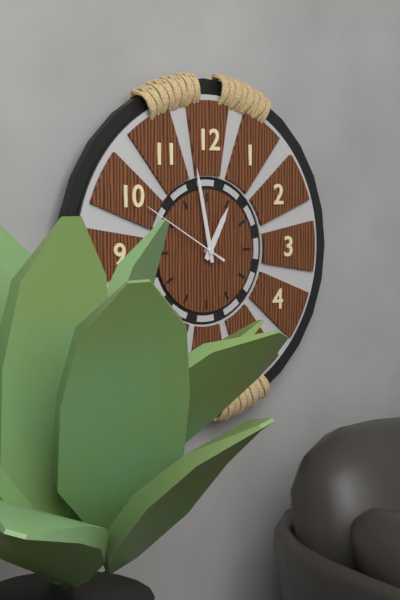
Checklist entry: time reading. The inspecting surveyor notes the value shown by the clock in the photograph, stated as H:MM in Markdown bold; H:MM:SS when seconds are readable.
**12:58:50**
